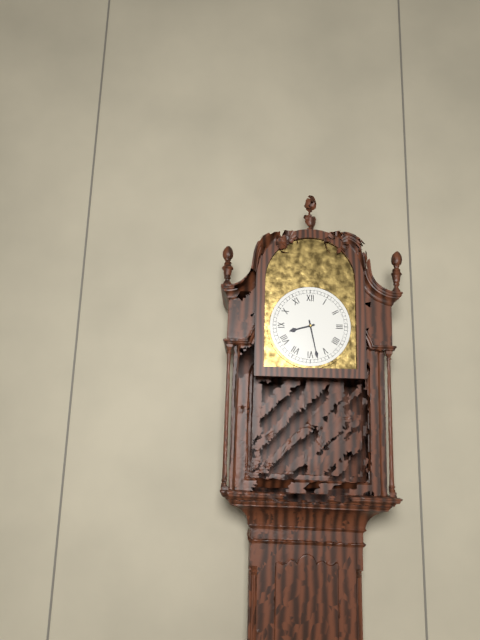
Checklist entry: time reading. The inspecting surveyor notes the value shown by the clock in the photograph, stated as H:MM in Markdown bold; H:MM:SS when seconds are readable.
**8:28**
